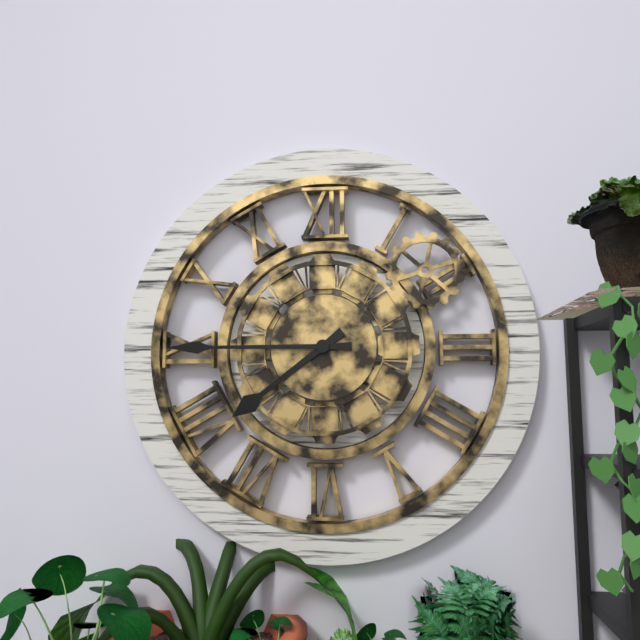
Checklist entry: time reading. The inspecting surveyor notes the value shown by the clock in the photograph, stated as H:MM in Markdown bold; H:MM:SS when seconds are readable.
**7:45**
